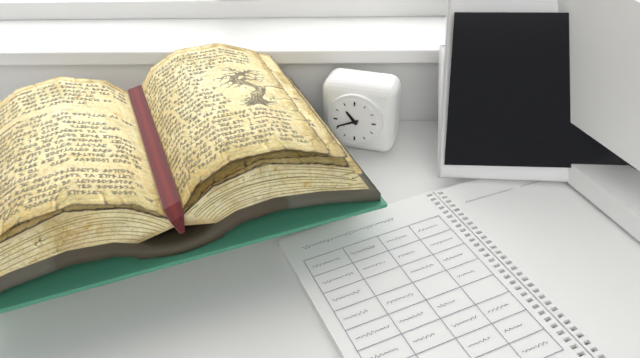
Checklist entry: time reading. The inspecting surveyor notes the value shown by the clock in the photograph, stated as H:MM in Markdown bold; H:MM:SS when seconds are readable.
**10:41**
